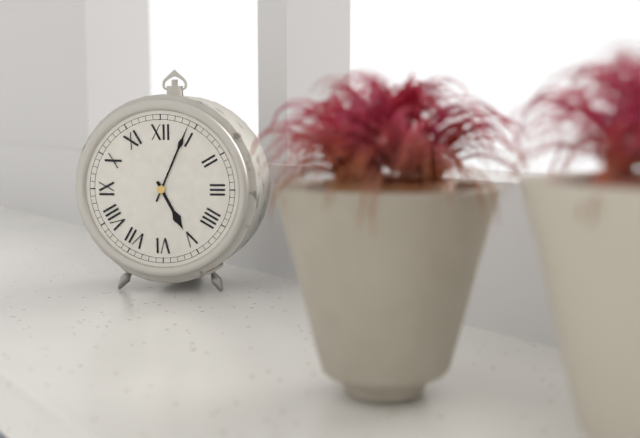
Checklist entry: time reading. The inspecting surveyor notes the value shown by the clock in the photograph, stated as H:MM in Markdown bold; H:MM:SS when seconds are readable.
**5:04**
